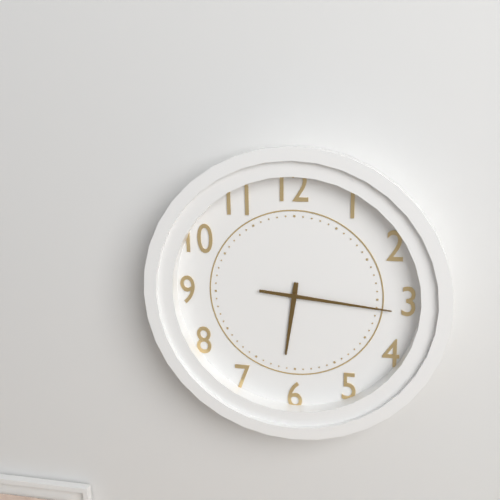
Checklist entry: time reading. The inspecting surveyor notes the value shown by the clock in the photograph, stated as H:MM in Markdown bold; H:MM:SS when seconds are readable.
**6:16**
